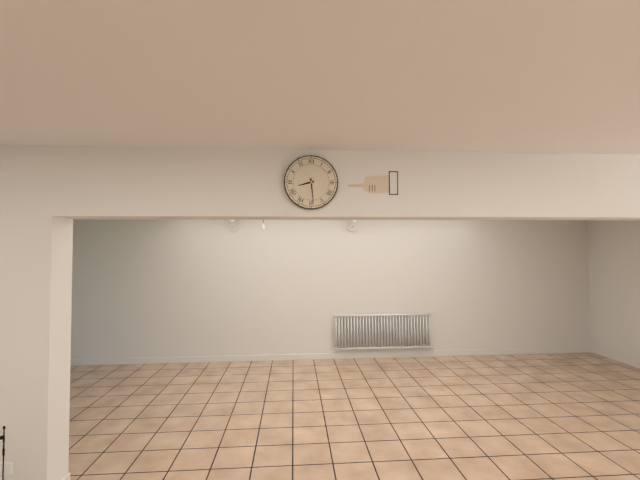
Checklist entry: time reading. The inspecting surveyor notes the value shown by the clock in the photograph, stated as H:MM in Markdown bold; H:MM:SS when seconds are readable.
**8:29**
